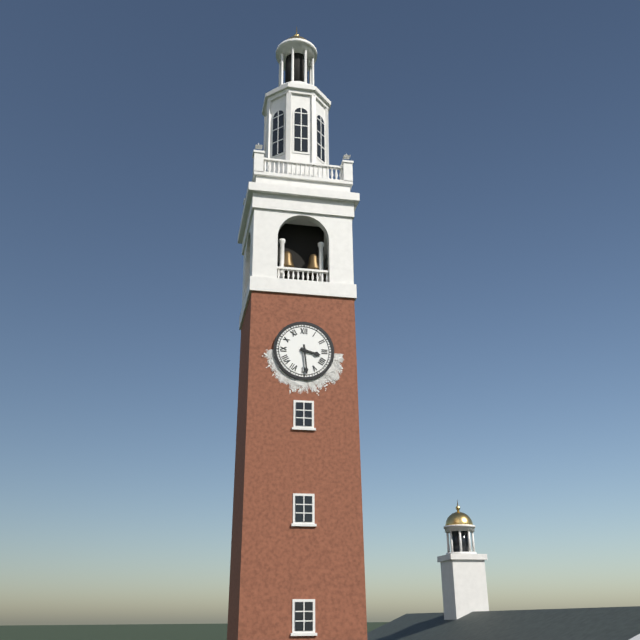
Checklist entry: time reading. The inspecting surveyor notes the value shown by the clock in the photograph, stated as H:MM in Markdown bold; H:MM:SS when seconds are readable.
**3:29**
